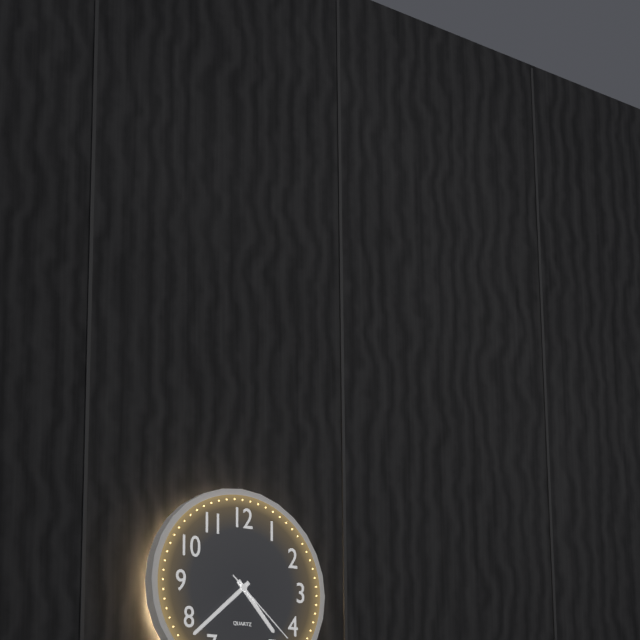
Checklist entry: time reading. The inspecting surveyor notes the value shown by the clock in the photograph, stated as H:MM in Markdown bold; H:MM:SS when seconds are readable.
**4:38:22**
